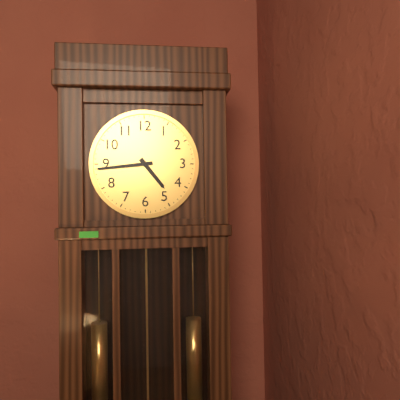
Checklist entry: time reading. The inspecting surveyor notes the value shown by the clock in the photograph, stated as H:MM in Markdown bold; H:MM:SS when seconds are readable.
**4:44**
